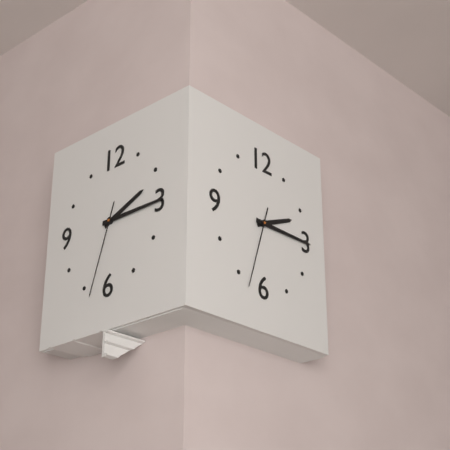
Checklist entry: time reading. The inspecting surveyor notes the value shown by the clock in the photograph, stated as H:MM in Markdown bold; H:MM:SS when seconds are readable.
**2:15:33**
